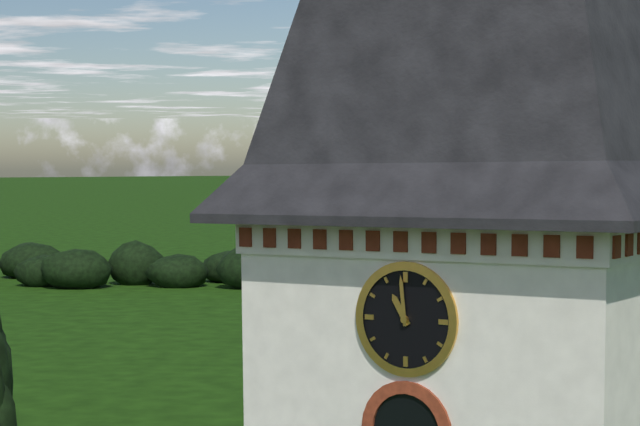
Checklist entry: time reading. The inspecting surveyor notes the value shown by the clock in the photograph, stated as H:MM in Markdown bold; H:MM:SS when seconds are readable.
**10:59**
